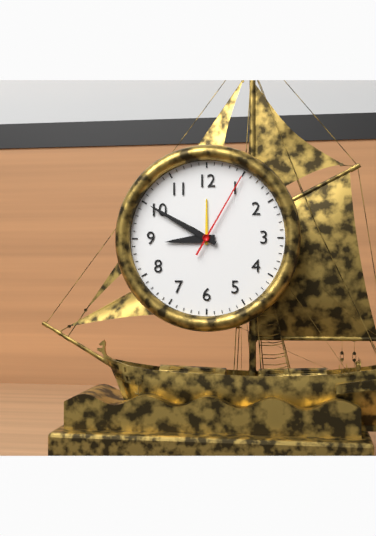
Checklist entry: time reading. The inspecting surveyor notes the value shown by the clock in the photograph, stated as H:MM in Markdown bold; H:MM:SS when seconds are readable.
**8:50:05**
